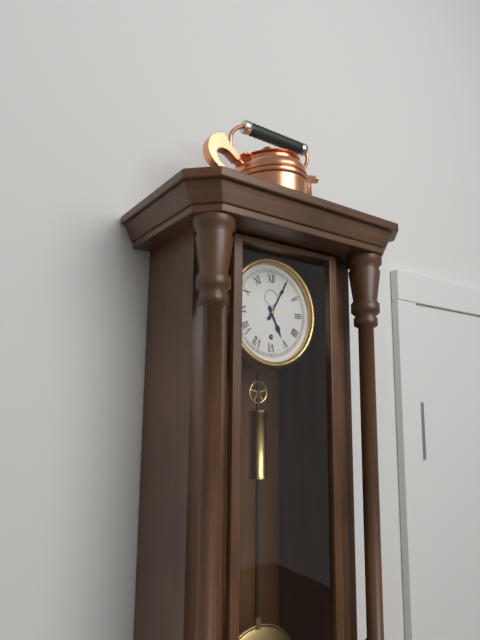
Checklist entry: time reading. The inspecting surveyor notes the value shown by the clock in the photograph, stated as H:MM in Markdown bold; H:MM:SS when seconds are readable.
**5:05**
